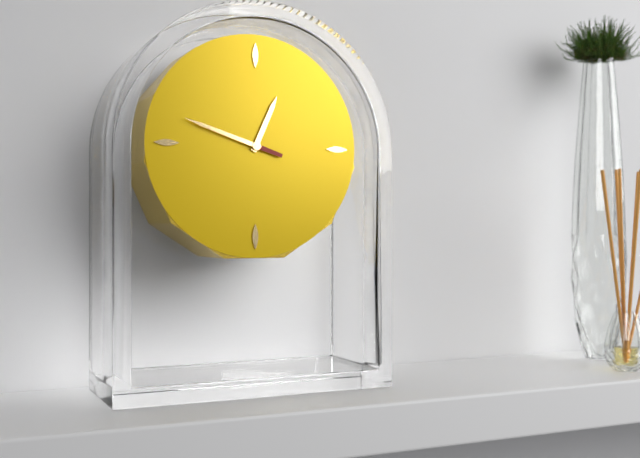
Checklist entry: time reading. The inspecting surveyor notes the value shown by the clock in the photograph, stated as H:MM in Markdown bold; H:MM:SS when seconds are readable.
**12:48**
